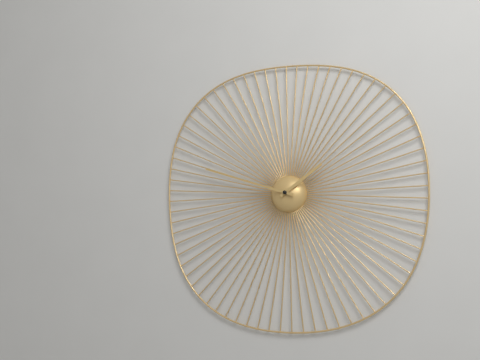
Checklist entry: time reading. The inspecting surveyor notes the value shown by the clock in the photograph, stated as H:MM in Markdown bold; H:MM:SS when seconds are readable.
**1:48**
